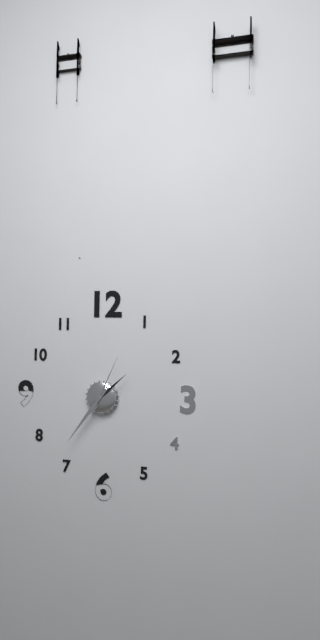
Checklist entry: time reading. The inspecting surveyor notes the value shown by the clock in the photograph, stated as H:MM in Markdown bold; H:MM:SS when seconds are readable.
**1:36:04**
